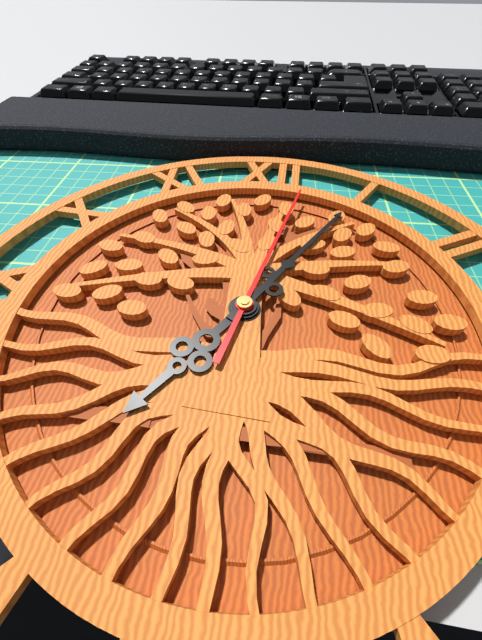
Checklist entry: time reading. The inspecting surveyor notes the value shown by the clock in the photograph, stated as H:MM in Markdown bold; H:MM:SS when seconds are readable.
**7:05:02**
